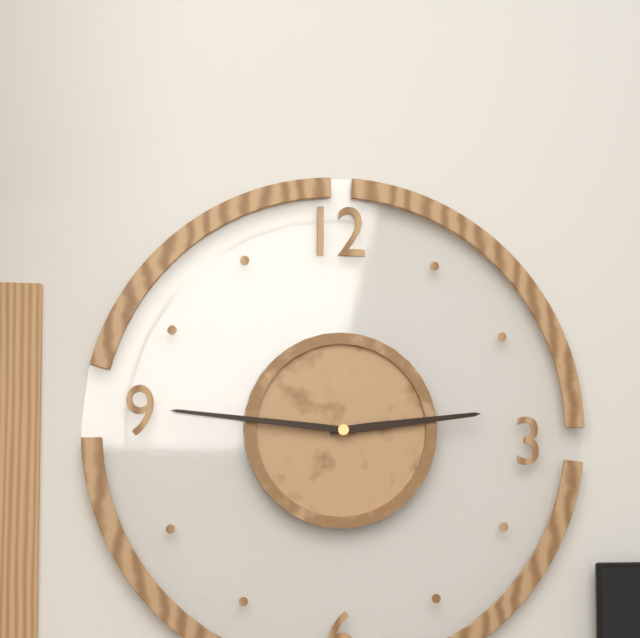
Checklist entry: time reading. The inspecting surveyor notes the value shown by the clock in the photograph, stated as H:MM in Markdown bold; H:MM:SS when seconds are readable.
**2:46**
